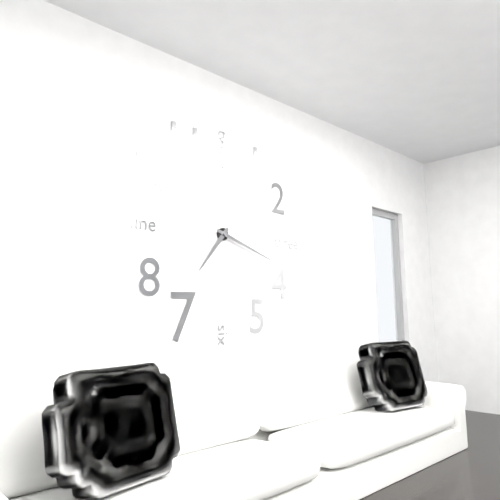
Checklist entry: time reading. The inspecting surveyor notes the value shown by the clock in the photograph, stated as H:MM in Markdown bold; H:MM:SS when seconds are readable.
**7:18**
